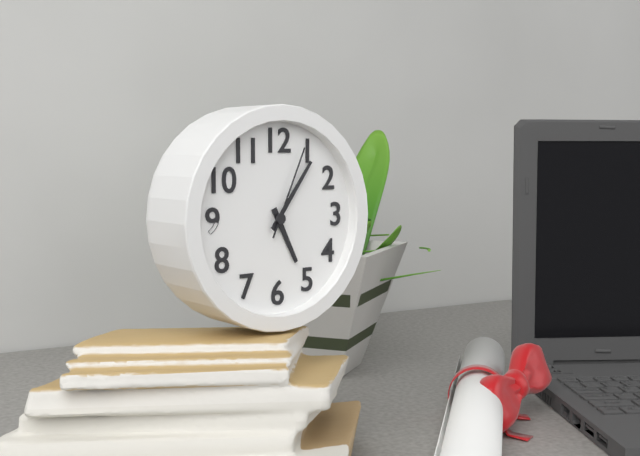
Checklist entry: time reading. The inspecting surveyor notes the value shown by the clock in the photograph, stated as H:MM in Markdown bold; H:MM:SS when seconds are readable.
**5:06:04**
